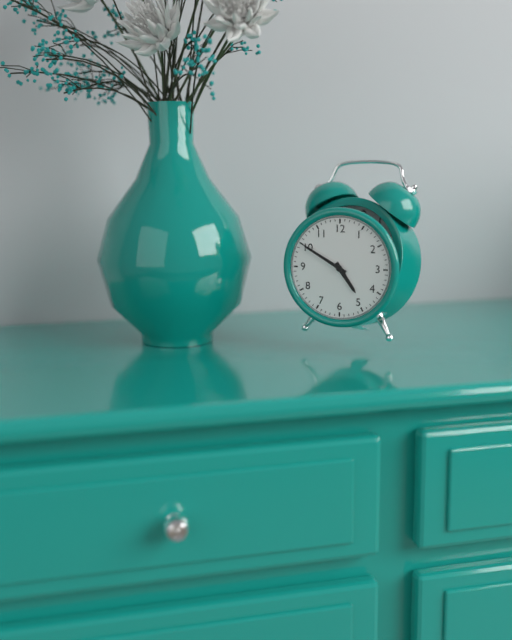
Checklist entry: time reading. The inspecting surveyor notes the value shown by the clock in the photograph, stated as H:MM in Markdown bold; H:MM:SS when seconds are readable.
**4:50**
